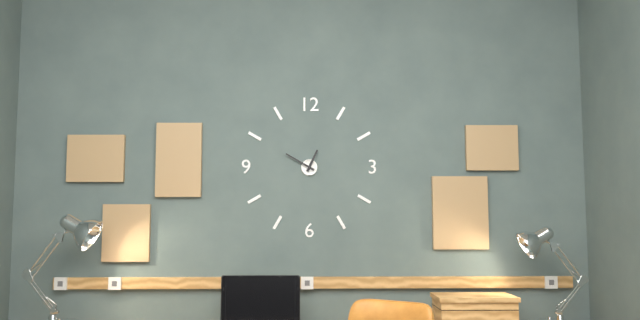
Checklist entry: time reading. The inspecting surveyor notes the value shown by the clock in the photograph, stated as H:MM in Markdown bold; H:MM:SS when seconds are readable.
**12:50**
